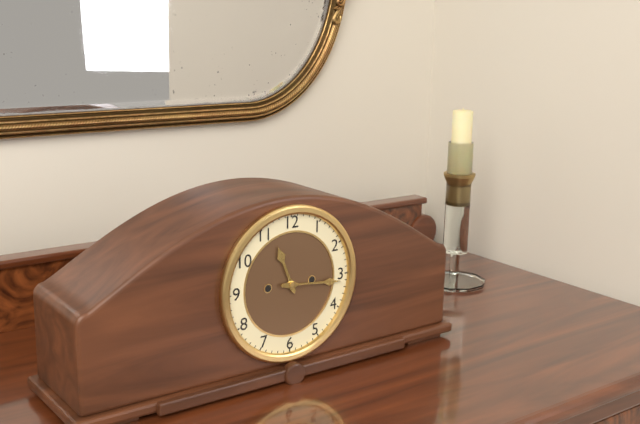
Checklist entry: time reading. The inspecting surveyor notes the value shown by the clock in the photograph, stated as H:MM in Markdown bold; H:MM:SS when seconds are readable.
**11:16**
